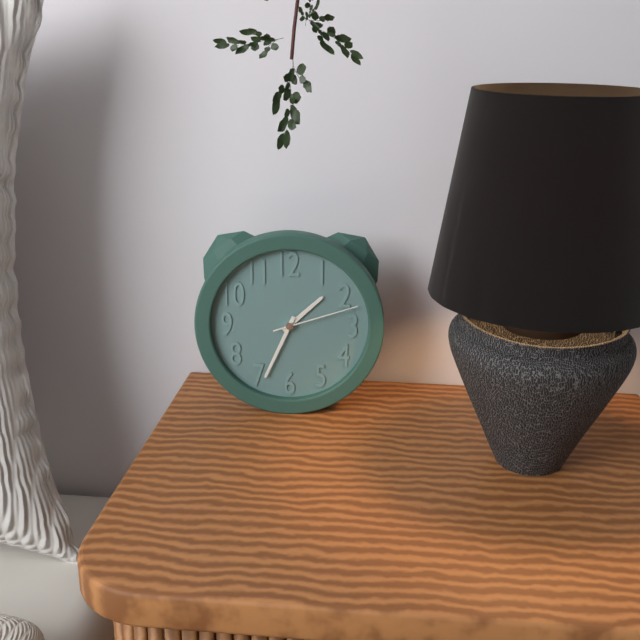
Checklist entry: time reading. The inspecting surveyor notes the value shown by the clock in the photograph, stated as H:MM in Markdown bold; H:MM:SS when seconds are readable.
**1:34:12**
